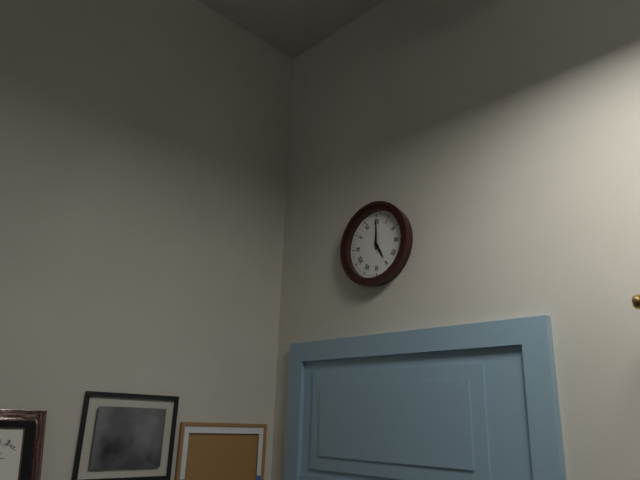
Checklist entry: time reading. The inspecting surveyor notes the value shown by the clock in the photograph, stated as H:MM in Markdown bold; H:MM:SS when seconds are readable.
**5:00**
